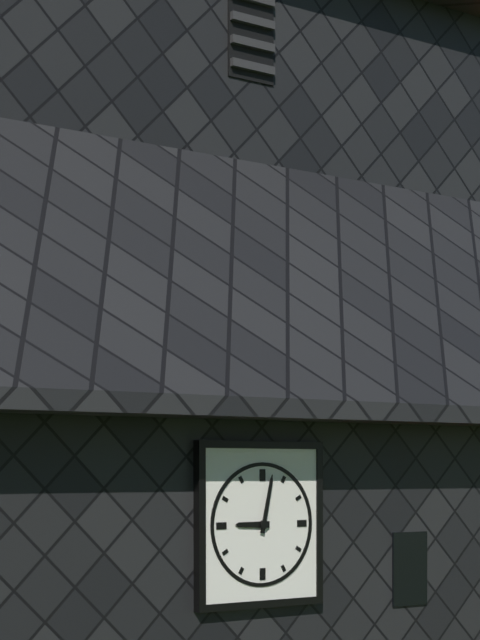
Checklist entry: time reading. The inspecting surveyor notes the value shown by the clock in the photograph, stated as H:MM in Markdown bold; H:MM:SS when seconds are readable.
**9:02**
